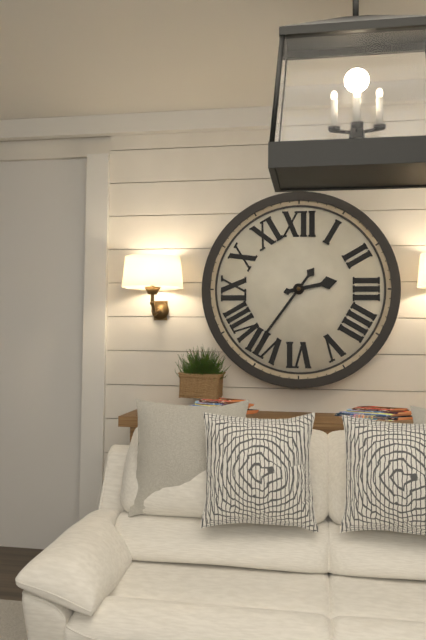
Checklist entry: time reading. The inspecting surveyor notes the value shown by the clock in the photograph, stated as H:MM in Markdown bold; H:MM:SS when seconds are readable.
**2:36**
